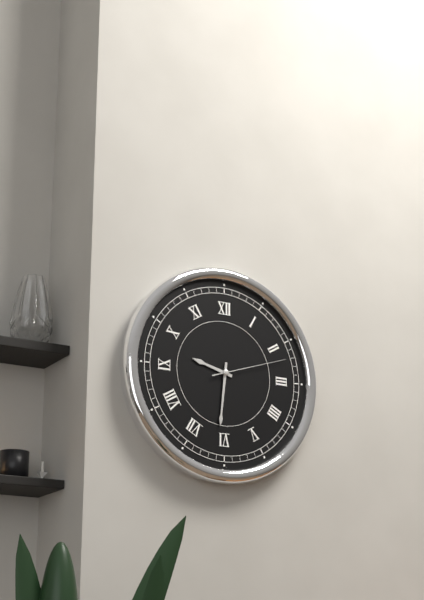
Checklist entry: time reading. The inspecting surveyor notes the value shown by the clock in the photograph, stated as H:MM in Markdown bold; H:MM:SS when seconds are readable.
**9:31:12**
